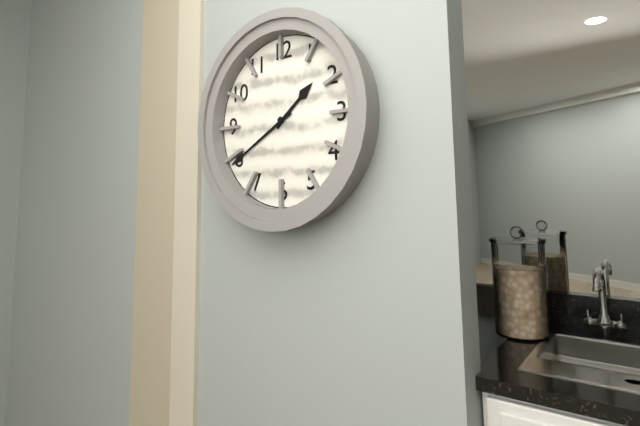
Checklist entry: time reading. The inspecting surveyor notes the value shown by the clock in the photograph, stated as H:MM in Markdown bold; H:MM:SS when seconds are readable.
**1:40**
